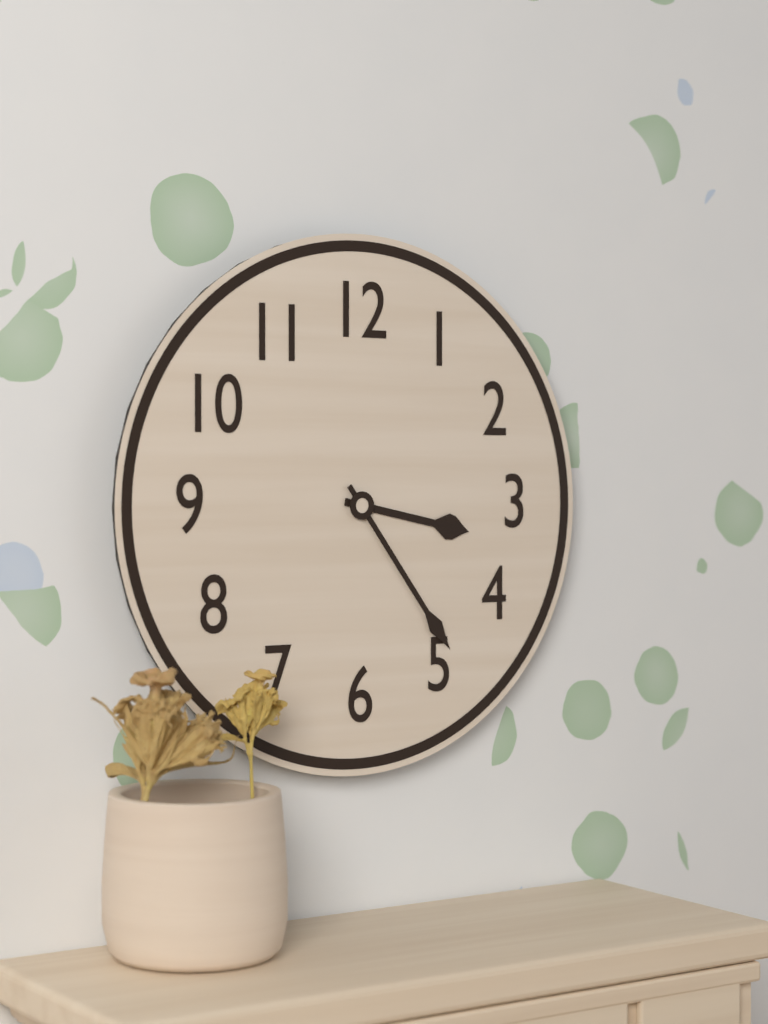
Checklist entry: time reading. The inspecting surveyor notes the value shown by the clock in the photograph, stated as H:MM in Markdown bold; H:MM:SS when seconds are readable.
**3:24**
